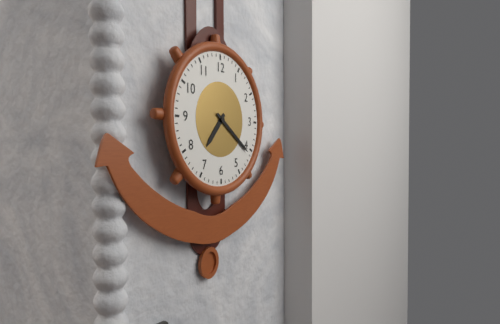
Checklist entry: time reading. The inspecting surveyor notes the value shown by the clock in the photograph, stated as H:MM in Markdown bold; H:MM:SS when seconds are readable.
**7:21**
